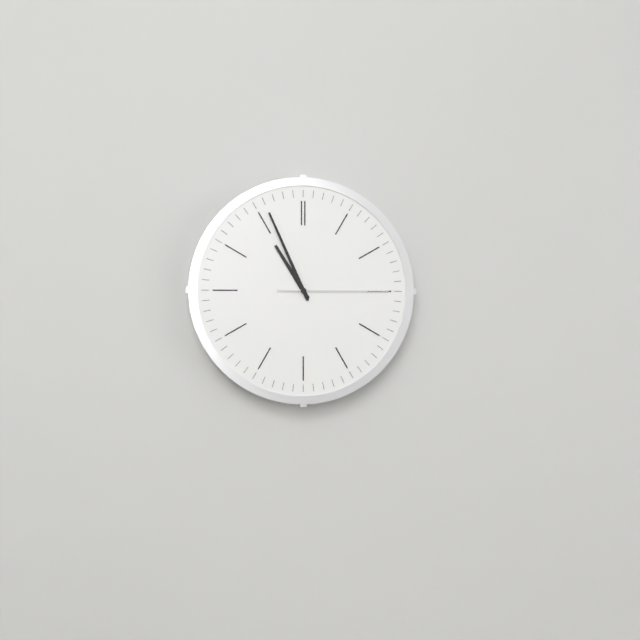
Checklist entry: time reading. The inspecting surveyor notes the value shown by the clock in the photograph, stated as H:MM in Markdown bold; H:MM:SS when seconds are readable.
**10:56:15**
